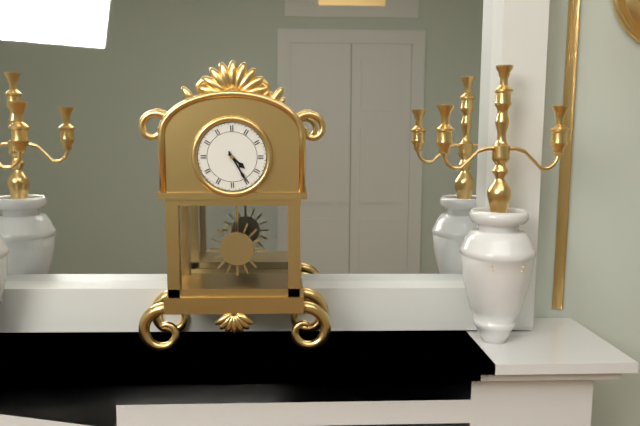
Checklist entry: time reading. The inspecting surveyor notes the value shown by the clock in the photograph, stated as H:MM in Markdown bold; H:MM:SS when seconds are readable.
**4:25**
